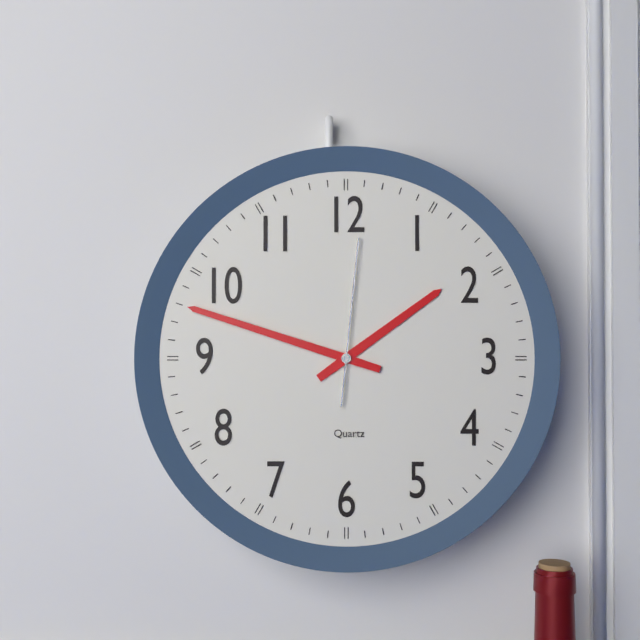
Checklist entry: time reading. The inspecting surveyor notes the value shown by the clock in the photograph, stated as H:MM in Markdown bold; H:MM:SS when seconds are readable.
**1:48:01**
